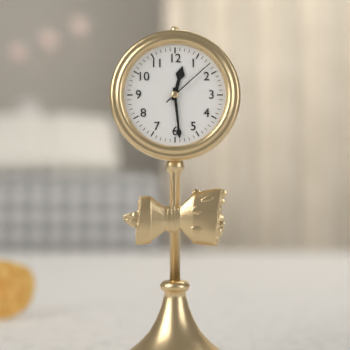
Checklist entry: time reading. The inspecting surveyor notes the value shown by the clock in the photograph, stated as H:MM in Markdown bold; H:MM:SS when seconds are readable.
**12:29:08**
